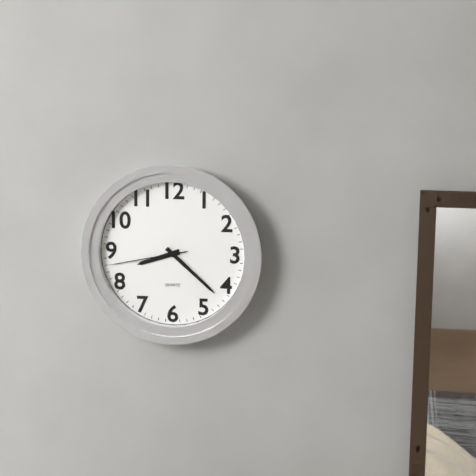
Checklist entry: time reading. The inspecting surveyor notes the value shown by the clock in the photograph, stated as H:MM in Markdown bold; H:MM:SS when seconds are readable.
**8:22:43**
